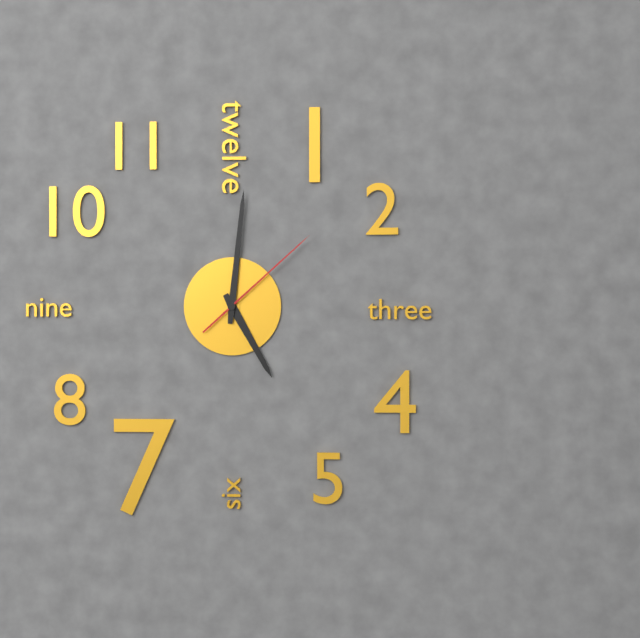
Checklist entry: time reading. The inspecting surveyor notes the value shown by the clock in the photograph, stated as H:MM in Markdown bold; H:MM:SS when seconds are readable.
**5:01:08**
